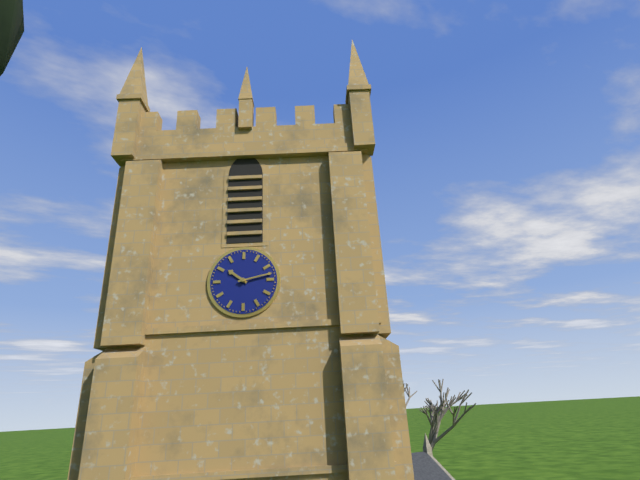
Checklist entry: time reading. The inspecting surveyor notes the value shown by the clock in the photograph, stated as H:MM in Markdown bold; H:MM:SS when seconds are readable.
**10:13**
